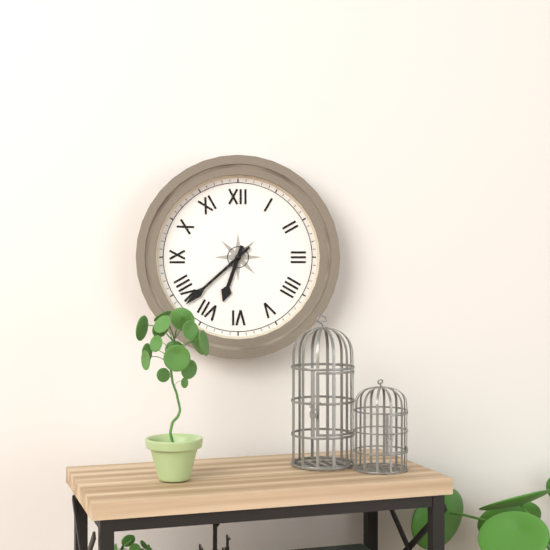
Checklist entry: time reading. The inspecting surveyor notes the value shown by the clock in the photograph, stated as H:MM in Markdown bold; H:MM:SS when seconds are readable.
**6:38**
